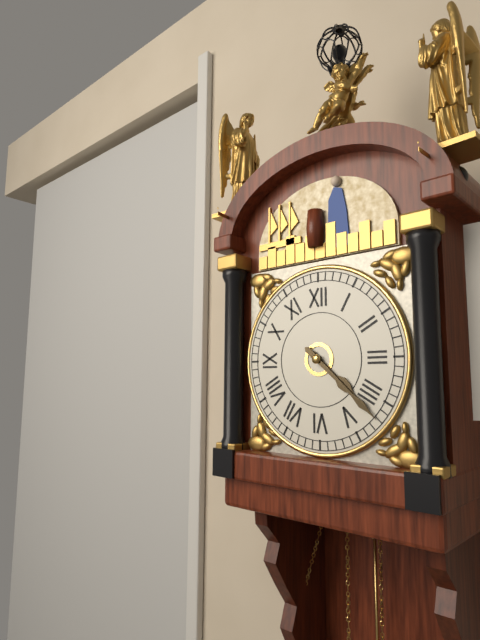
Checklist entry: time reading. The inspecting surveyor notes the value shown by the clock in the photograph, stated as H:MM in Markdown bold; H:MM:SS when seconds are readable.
**4:22**
